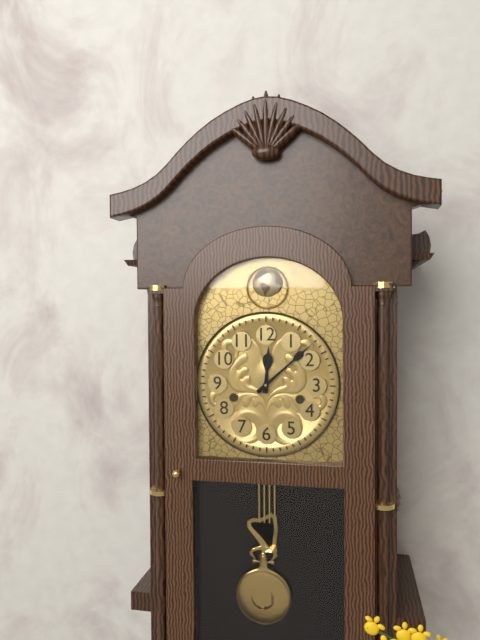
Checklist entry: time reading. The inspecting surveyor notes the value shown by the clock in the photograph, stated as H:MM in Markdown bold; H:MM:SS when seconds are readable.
**12:08**
